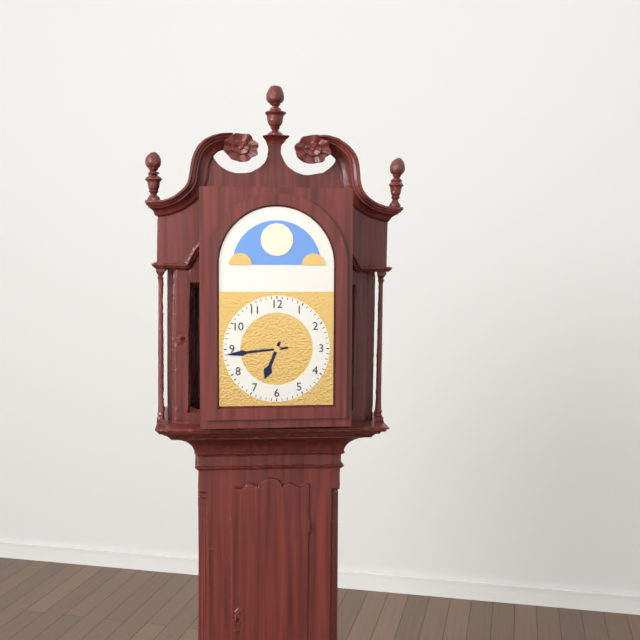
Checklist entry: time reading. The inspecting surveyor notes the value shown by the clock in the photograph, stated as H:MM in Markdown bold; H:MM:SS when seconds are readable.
**6:44**
